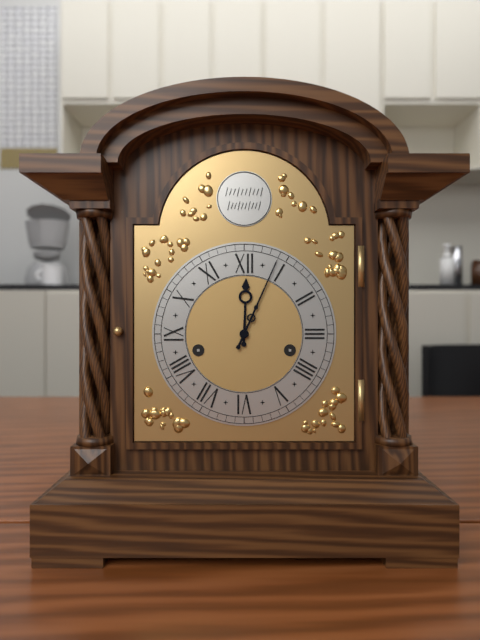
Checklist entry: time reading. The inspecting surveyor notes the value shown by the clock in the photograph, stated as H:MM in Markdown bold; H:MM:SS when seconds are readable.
**12:04**
